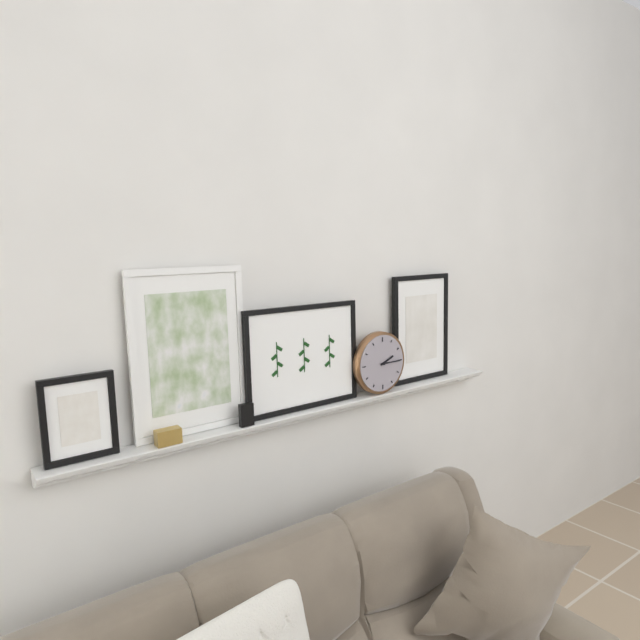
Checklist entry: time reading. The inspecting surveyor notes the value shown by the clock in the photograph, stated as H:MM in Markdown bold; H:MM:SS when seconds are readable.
**2:15**
